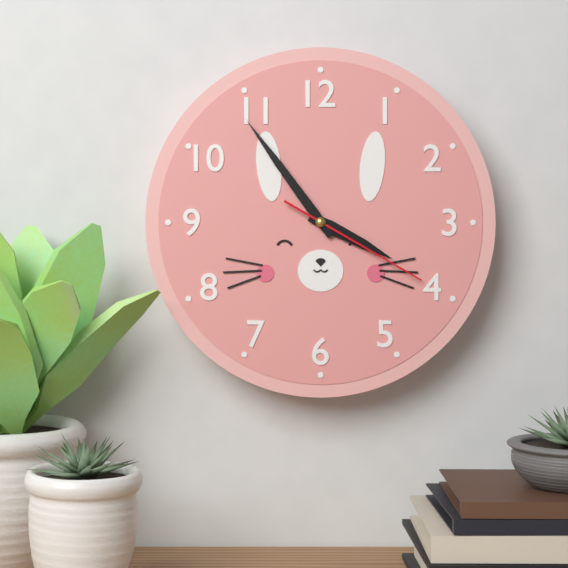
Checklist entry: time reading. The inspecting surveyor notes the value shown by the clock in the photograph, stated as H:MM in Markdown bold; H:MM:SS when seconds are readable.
**3:54:20**
